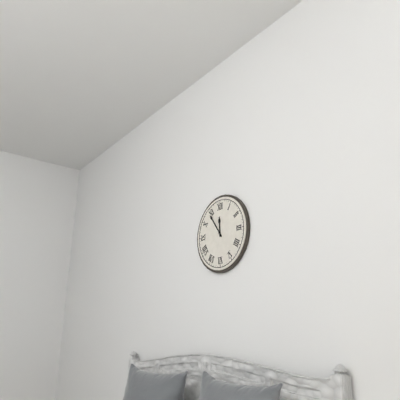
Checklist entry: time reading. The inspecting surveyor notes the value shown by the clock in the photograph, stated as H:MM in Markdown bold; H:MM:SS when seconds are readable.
**11:54**
